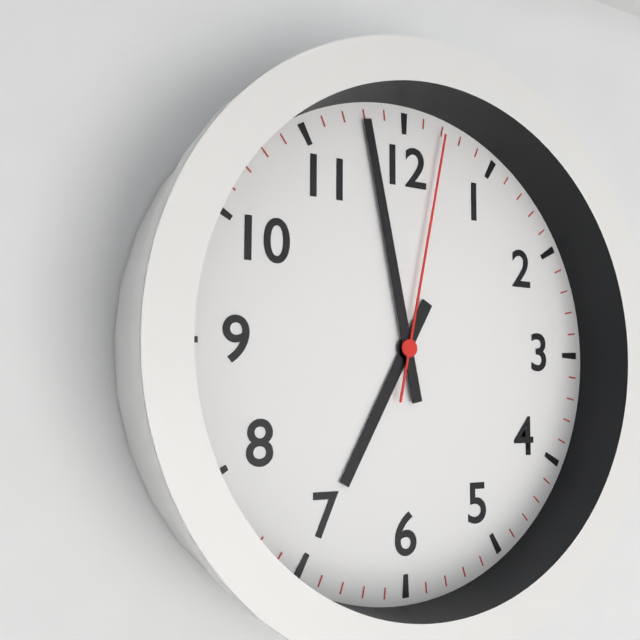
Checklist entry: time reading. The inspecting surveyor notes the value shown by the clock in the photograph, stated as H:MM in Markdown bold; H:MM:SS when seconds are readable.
**6:58:02**
